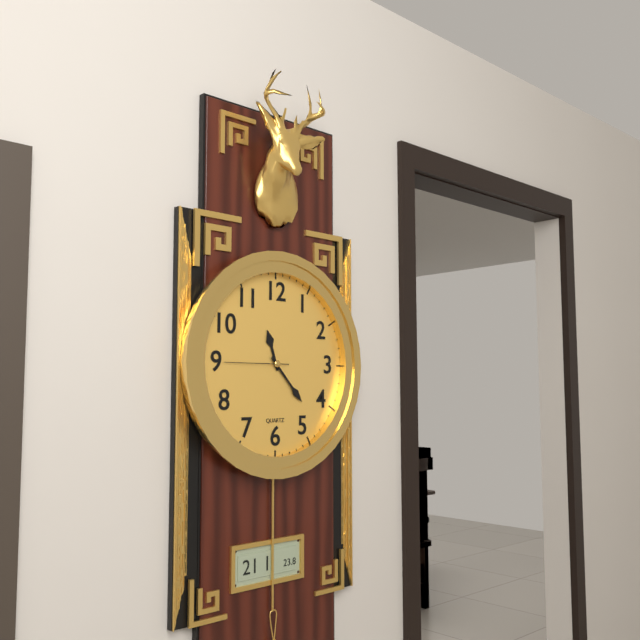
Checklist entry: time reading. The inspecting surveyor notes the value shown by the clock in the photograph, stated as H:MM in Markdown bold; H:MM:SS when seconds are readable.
**11:23:45**
